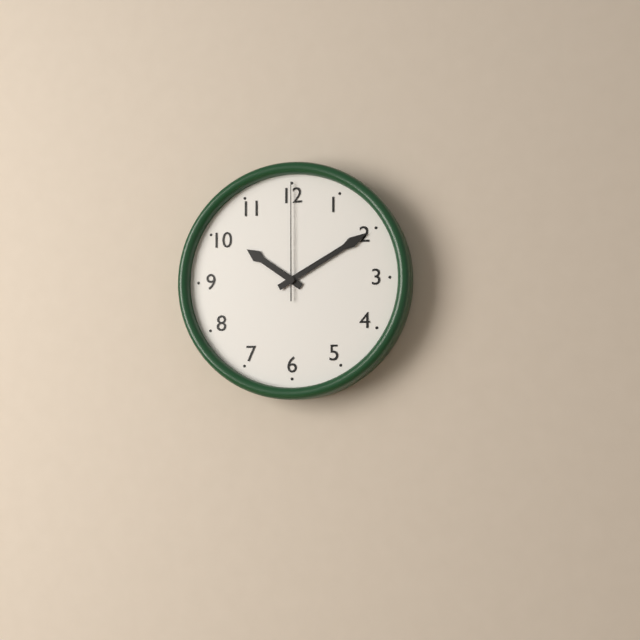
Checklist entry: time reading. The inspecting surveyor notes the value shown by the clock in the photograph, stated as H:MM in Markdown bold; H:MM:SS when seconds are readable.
**10:10:00**
